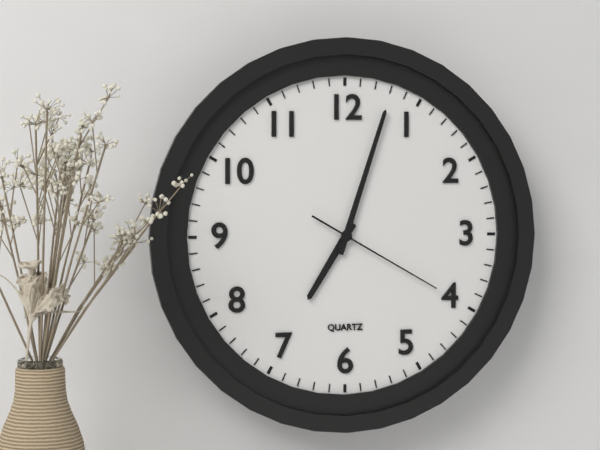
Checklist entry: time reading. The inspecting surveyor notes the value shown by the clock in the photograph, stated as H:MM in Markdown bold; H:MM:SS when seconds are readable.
**7:03:20**
